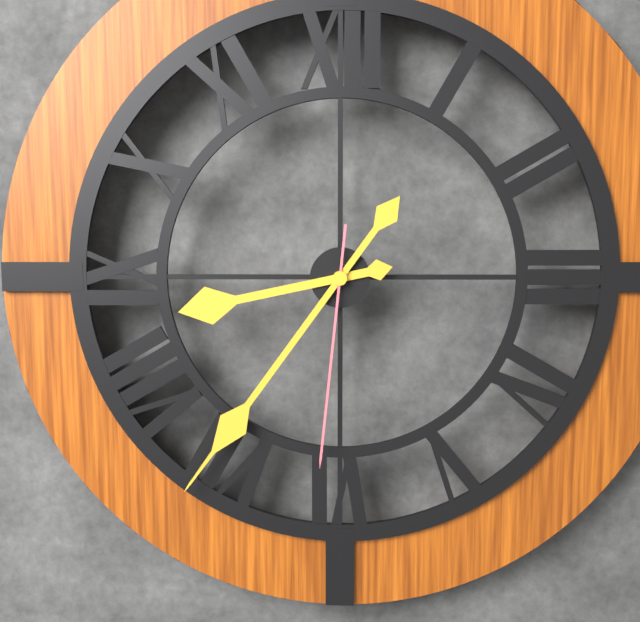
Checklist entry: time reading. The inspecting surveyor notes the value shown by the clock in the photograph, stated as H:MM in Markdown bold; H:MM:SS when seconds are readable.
**8:36:31**
